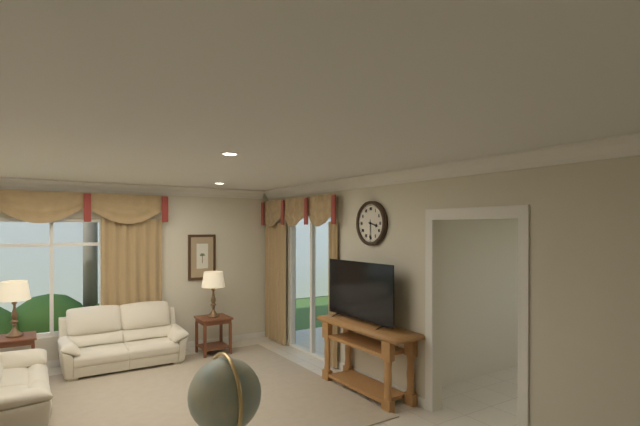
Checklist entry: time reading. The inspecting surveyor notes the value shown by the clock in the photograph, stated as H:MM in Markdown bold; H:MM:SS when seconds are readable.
**3:30**
